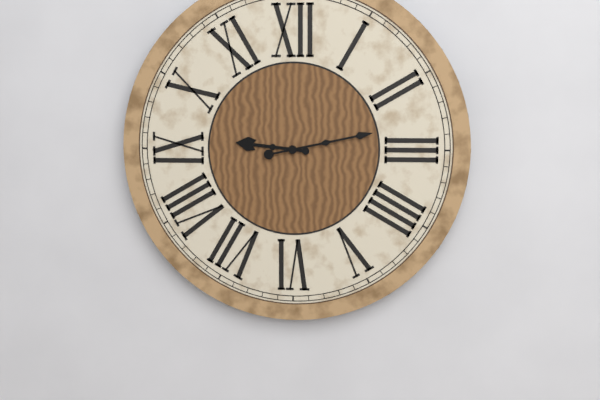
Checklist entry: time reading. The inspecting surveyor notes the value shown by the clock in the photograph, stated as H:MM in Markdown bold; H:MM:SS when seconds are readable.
**9:13**
